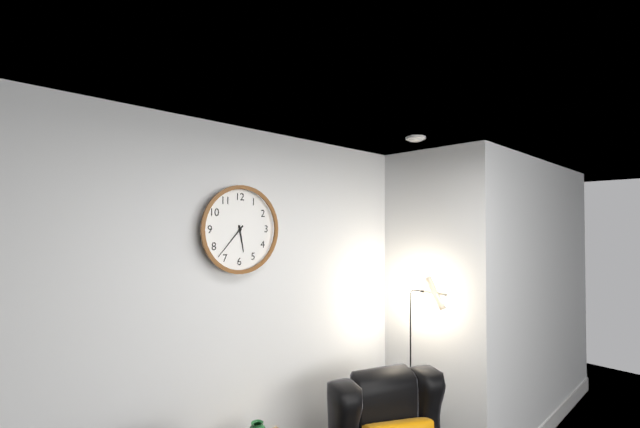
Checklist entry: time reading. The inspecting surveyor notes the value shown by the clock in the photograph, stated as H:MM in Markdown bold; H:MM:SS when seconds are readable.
**5:37**
